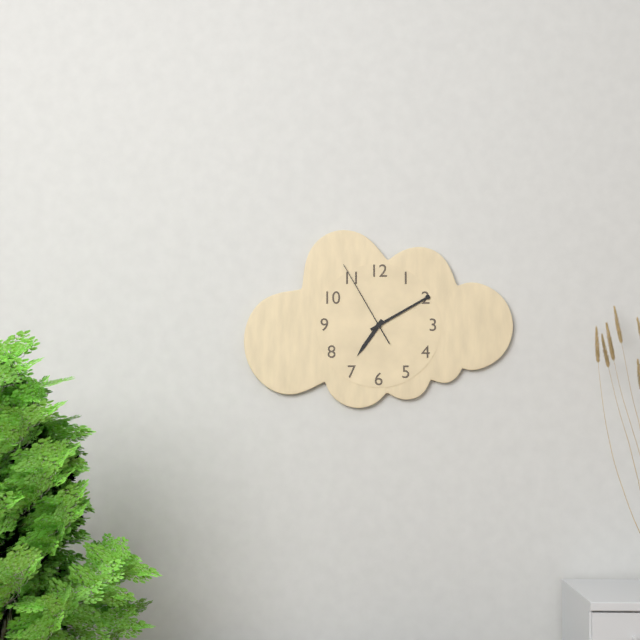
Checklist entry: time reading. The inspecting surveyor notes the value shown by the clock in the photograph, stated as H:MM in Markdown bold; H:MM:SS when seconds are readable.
**7:10:55**
